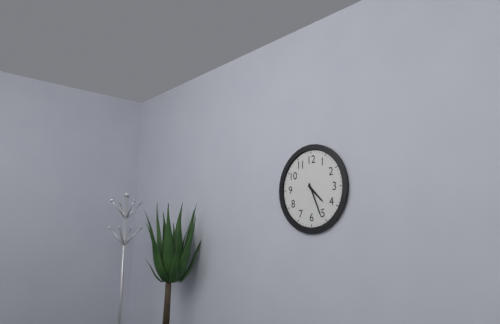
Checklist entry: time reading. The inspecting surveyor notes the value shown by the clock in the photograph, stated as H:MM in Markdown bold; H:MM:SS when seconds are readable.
**4:26**
